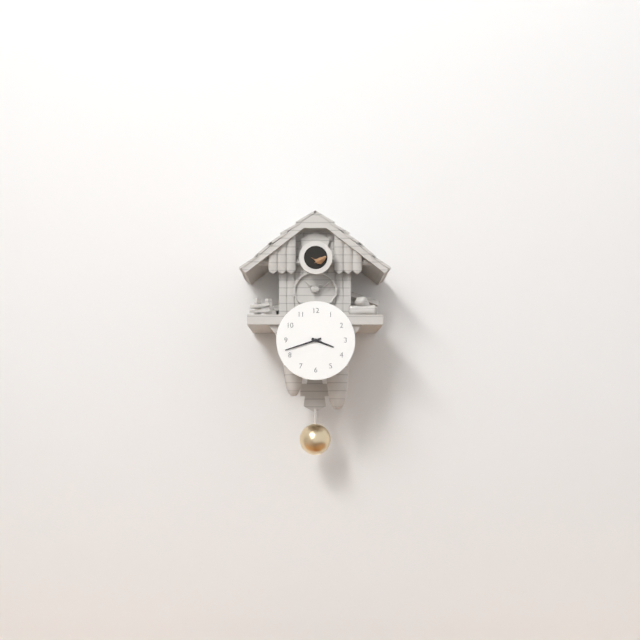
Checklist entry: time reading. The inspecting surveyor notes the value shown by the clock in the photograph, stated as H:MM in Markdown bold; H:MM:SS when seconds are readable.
**3:42**
